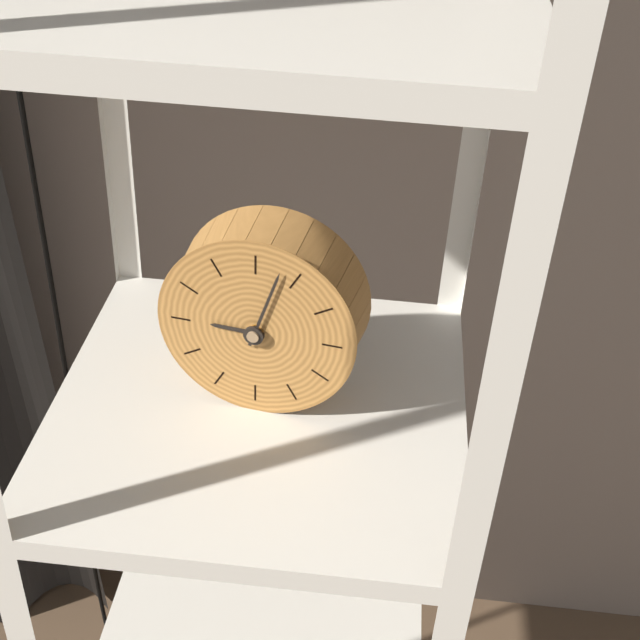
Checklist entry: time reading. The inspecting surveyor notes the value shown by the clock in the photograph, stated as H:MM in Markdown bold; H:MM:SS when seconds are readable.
**9:03**
